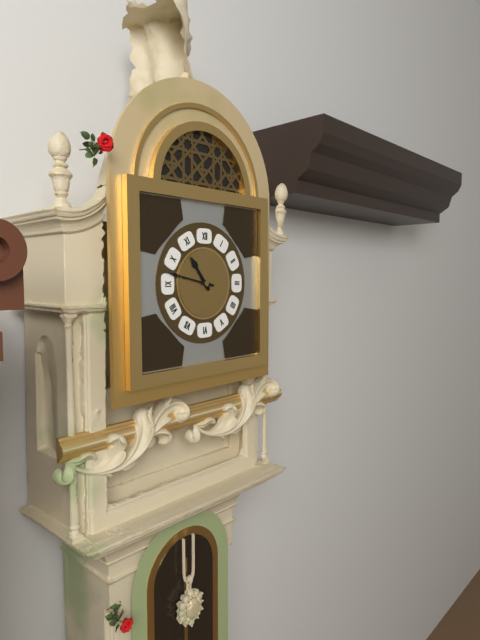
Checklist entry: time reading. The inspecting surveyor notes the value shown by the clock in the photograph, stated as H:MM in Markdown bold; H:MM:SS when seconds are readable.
**10:47**
